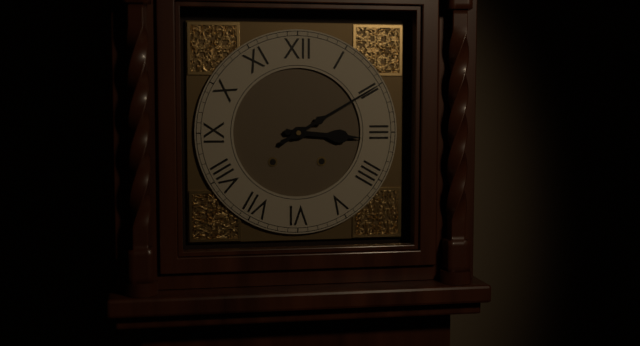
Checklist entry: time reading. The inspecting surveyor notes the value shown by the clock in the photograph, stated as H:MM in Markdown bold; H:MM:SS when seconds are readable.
**3:10**
